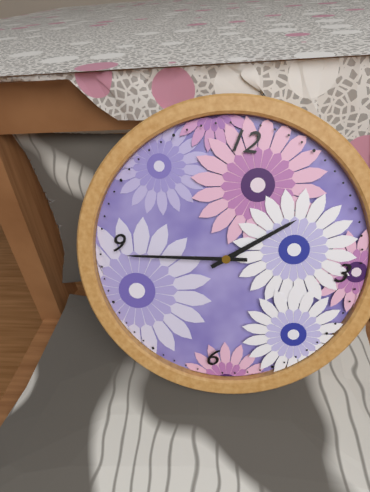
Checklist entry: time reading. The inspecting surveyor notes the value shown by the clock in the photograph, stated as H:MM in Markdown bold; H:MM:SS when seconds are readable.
**1:44**
